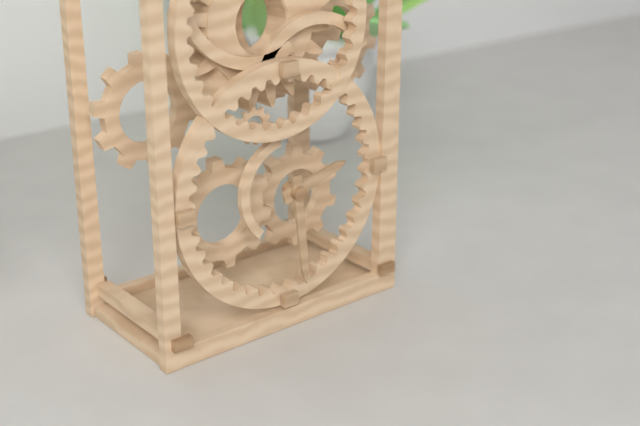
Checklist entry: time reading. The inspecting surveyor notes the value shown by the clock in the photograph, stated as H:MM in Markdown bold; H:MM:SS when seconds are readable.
**2:29**
